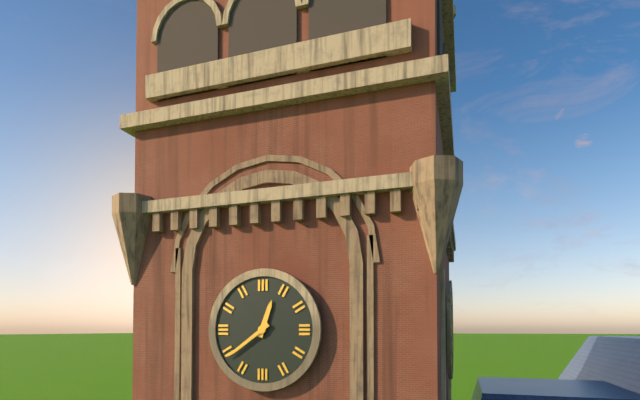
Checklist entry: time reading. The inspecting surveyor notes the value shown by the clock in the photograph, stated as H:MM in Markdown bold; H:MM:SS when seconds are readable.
**12:39**
